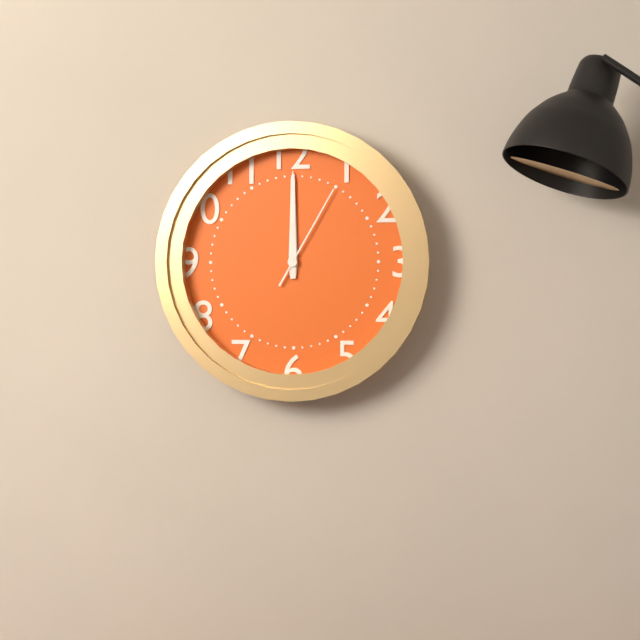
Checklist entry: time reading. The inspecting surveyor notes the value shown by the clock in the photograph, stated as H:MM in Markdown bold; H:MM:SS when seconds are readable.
**12:00:05**
